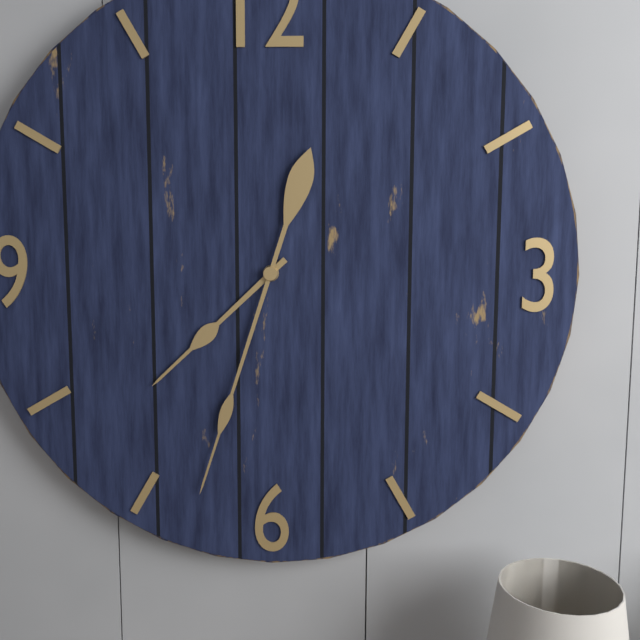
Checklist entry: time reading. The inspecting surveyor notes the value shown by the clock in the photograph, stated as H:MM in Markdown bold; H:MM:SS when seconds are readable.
**7:33**
